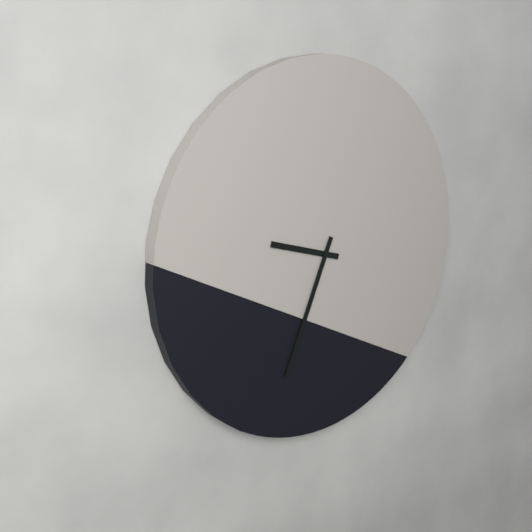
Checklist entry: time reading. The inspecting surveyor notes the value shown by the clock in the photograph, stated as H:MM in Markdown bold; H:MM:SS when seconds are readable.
**9:34**
